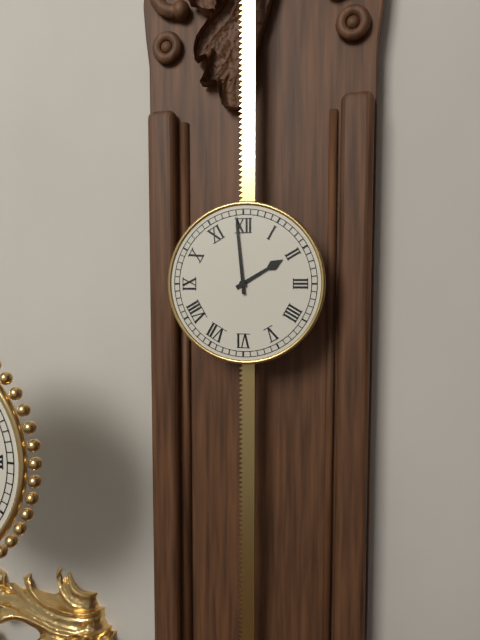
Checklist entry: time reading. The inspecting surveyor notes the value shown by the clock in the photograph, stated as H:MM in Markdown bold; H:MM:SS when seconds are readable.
**1:59**
